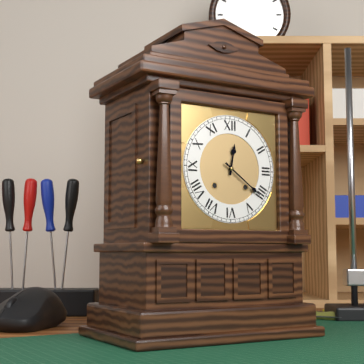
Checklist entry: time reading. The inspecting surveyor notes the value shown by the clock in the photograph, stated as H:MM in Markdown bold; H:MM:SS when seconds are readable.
**12:21**
